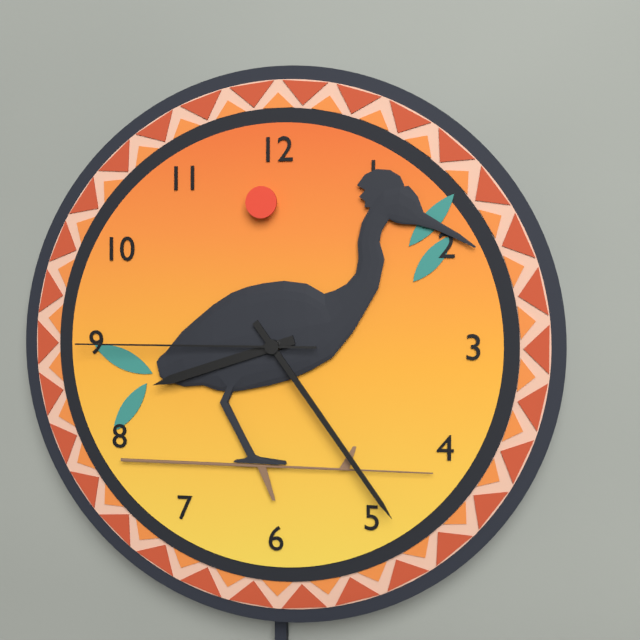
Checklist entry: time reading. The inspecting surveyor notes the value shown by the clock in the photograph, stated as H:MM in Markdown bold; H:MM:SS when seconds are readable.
**8:24:45**
